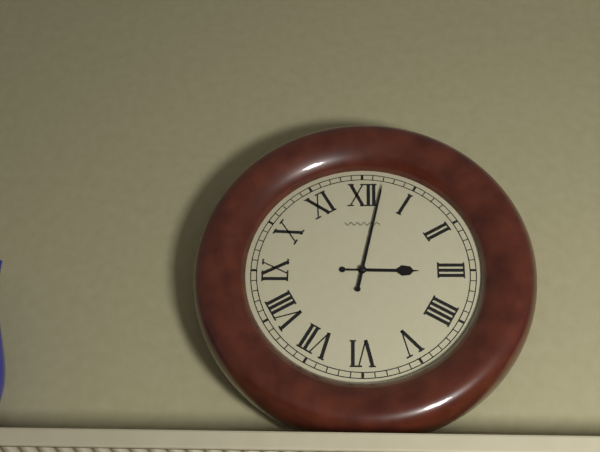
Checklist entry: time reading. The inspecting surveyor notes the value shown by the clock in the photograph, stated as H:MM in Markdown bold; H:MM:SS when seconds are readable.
**3:02**
